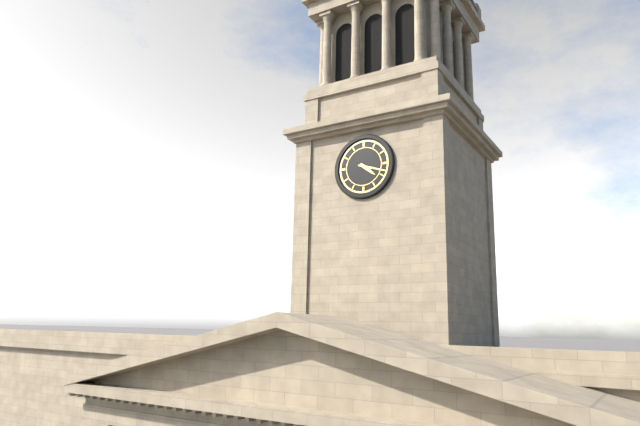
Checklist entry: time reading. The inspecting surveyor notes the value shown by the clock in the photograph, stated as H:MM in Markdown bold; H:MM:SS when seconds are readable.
**4:18**
